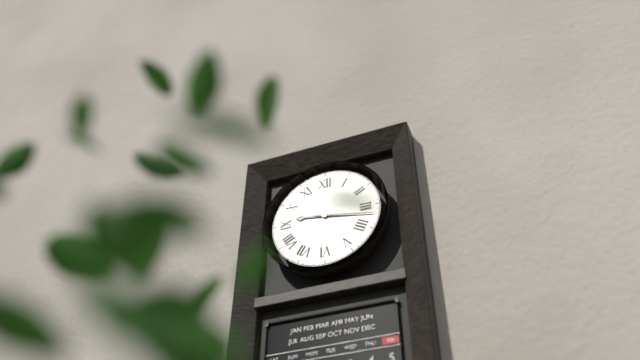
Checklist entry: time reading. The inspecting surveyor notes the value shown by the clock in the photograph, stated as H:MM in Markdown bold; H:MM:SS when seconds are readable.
**9:17**
